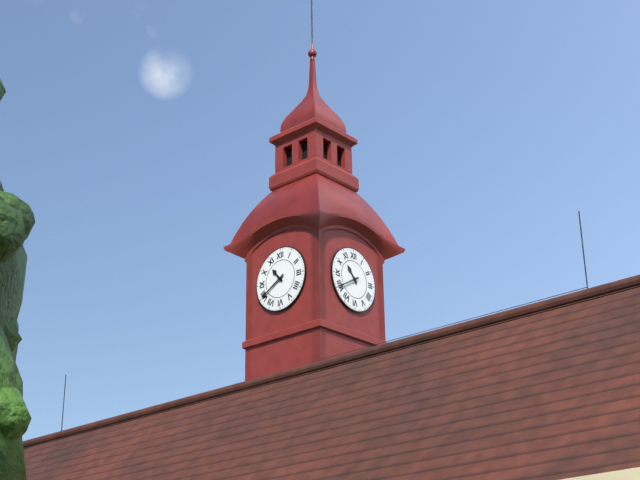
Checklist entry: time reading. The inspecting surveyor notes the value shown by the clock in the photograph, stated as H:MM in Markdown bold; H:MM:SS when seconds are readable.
**10:40**
